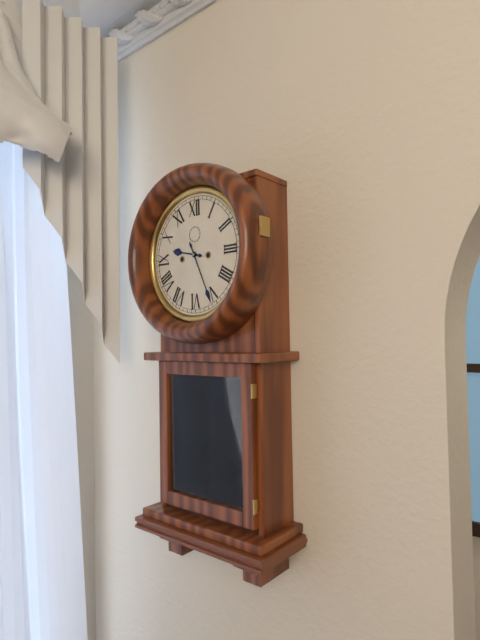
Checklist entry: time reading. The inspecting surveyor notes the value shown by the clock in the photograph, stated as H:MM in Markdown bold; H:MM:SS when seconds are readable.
**9:26**
